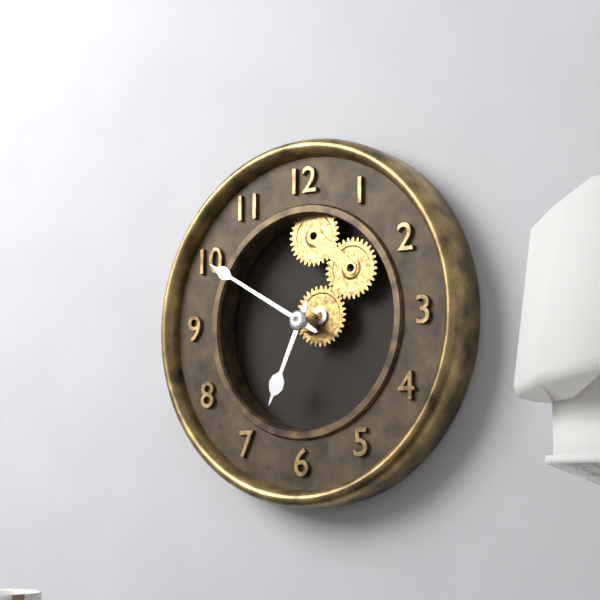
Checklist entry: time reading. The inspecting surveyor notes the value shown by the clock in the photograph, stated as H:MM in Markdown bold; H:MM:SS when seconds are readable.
**6:50**
